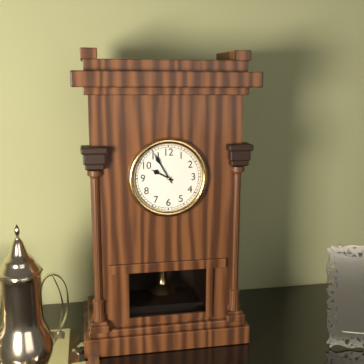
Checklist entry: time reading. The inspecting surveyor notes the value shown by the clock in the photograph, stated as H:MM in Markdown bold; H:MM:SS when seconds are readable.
**9:55**
